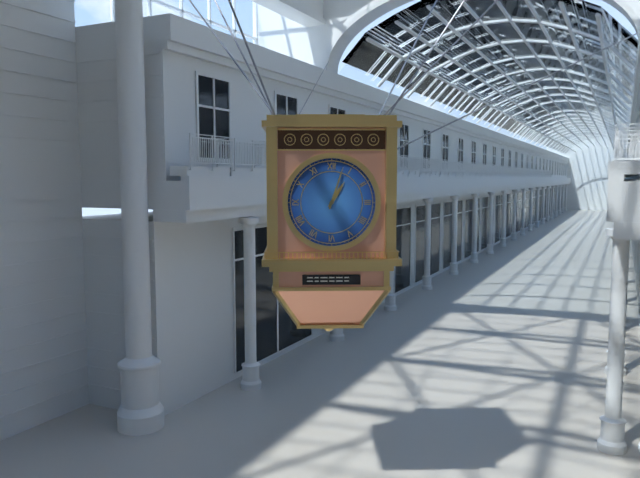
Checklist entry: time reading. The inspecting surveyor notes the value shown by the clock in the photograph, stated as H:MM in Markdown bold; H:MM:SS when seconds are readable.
**1:03**
